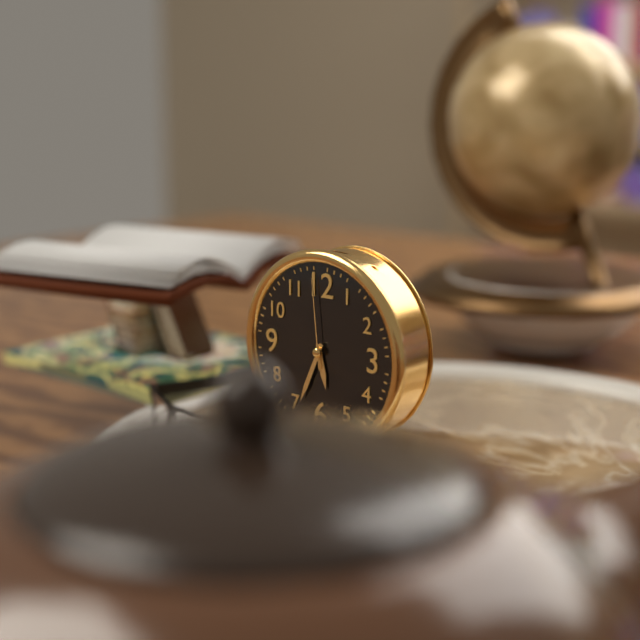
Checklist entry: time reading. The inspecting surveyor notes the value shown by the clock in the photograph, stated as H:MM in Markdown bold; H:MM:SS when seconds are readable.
**5:34:59**
